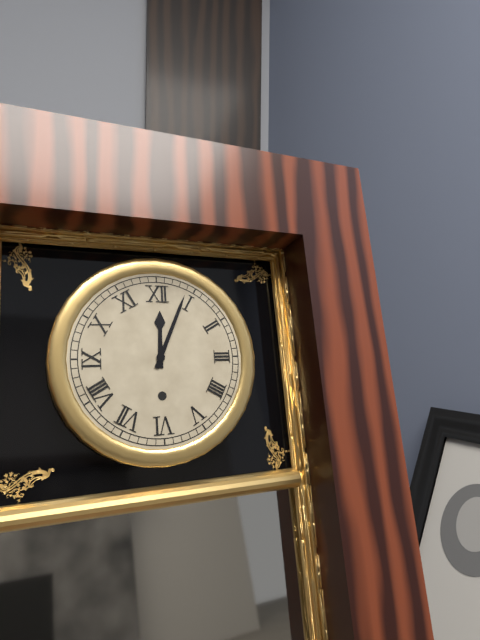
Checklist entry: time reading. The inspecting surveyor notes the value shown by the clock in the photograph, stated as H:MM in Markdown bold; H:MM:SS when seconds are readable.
**12:04**
